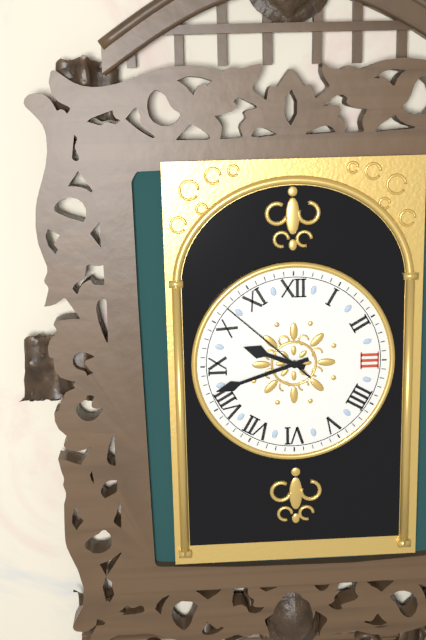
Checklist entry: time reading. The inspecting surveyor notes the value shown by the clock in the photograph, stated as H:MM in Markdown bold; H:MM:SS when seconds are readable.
**9:42:52**
